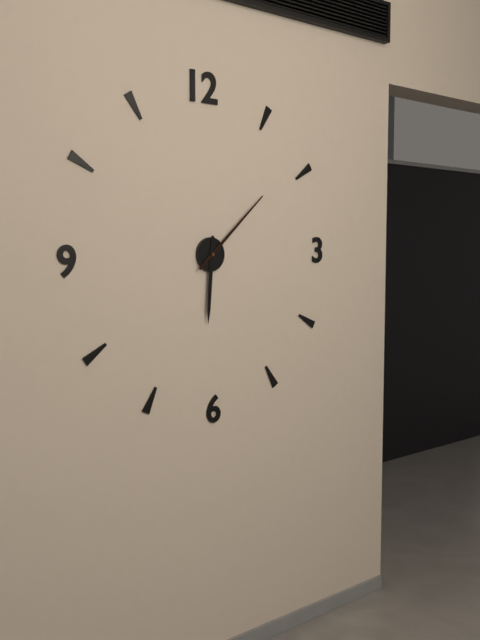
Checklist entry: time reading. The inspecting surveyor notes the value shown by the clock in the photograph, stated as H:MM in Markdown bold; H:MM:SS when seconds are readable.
**6:08**
